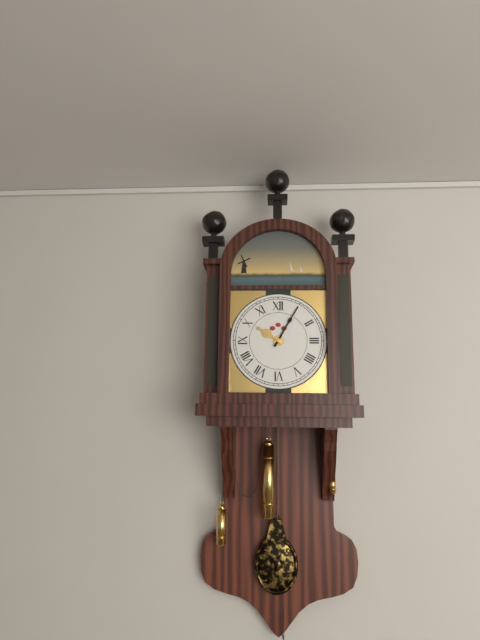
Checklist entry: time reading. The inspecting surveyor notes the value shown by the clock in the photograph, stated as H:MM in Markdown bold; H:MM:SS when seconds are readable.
**10:05**
